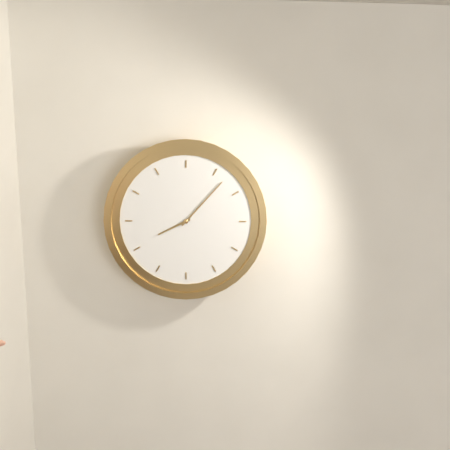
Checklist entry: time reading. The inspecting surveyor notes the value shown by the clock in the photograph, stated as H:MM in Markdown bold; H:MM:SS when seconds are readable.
**8:07**
